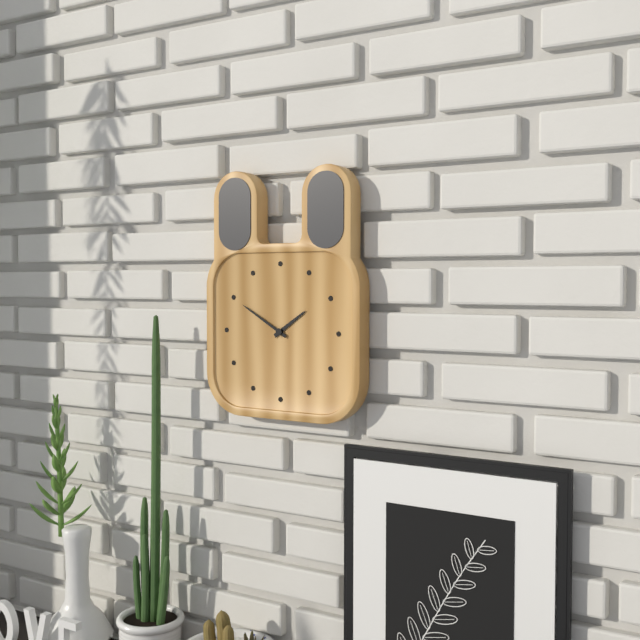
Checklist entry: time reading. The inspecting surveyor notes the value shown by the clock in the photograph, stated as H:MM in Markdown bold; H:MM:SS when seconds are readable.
**1:50**
